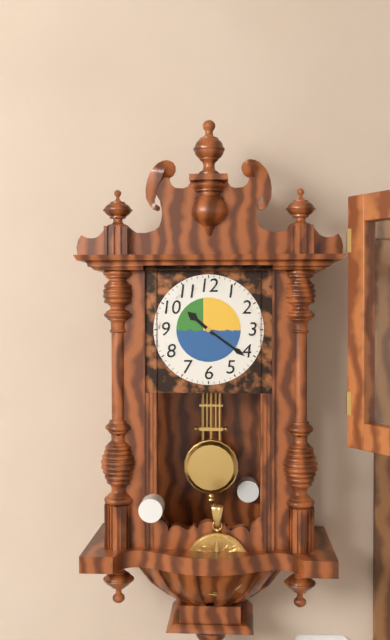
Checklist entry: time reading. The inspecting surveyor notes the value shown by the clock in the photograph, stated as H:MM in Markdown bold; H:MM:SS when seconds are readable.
**10:21**
